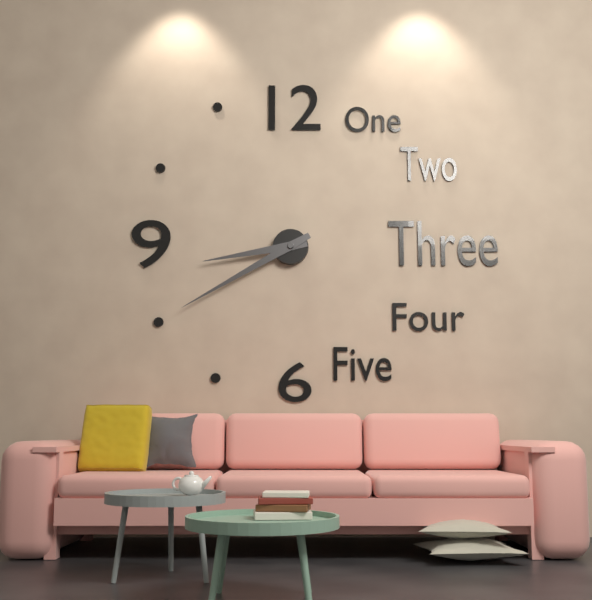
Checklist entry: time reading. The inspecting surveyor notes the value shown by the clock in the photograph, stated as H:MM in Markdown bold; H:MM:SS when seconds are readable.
**8:40**
